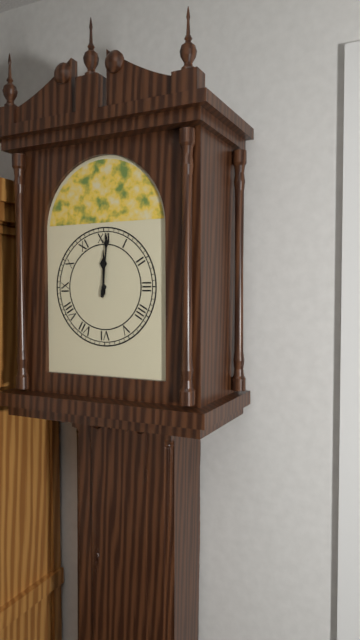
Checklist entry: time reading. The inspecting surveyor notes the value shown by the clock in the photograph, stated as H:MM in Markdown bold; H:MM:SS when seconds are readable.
**12:01**
